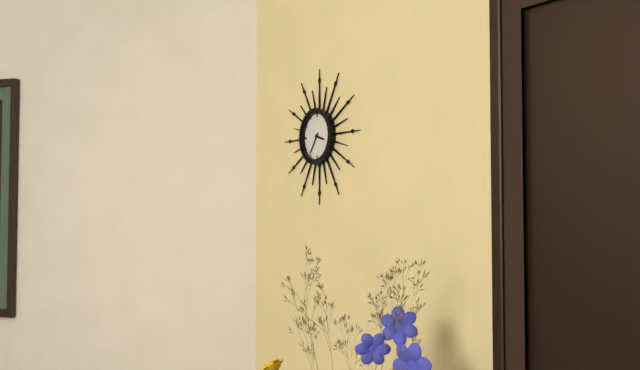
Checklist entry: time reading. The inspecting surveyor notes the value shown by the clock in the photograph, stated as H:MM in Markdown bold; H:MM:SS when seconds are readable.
**3:36**
